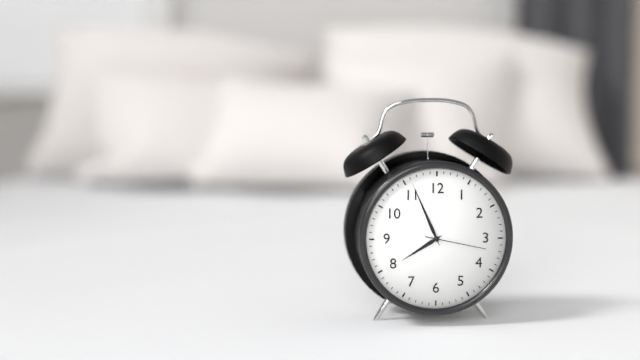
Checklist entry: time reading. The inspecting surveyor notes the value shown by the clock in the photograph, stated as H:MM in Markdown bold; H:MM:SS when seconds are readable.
**7:56:17**
